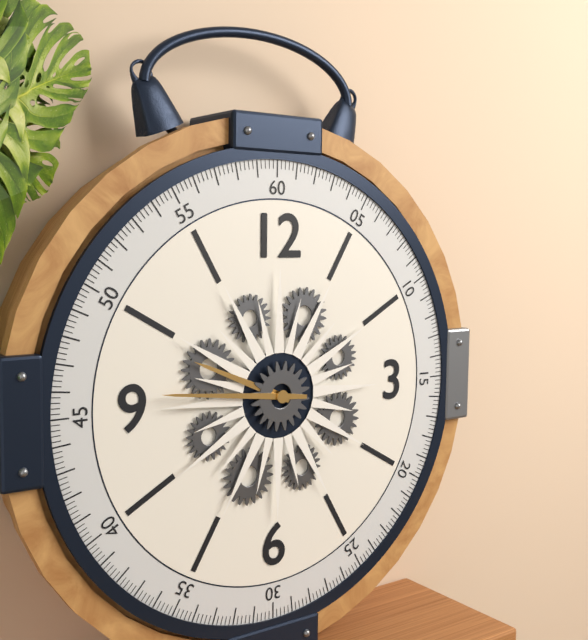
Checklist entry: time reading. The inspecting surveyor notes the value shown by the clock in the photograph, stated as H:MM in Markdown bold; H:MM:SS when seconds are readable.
**9:46**
